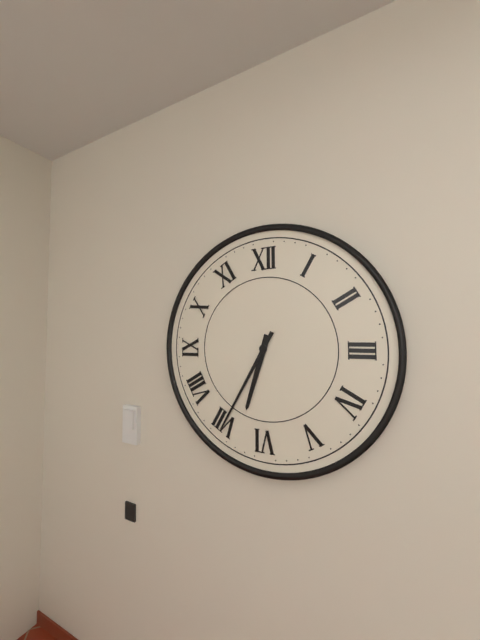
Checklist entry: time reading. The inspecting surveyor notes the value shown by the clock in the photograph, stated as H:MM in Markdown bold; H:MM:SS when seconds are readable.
**6:35**
